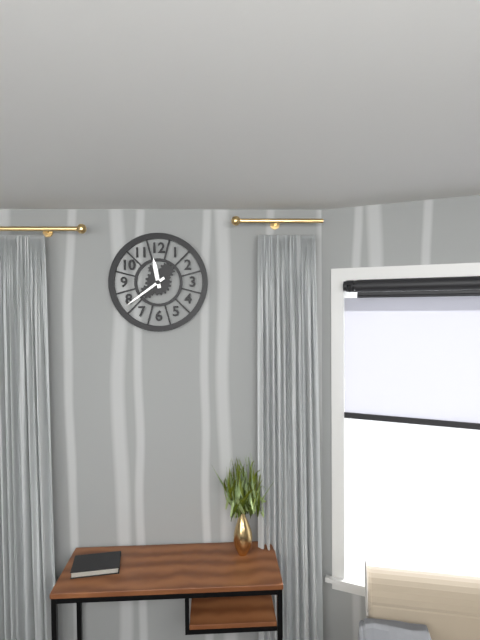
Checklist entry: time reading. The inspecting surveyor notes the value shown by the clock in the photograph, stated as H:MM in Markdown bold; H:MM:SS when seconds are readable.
**11:39**
